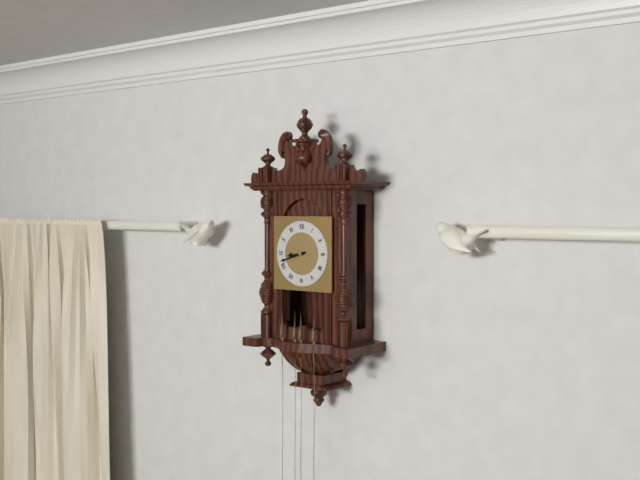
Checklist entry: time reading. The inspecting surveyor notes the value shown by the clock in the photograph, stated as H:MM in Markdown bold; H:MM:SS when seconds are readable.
**8:42**
